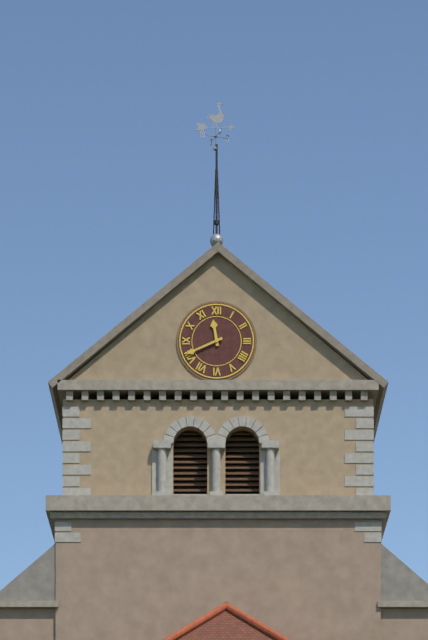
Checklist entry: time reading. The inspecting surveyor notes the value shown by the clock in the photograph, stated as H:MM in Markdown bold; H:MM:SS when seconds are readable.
**11:41**
